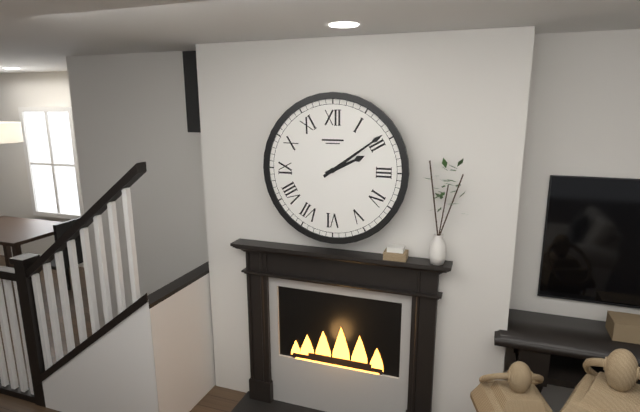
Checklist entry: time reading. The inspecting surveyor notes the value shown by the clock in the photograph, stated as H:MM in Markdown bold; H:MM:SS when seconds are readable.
**2:09**
